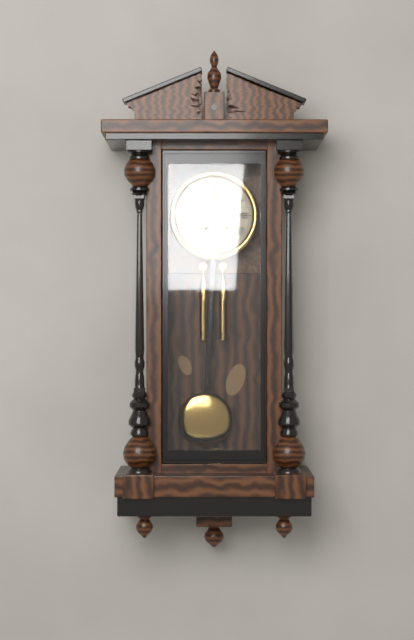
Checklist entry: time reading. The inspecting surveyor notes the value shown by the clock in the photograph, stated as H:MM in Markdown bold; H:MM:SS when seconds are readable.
**7:00**
